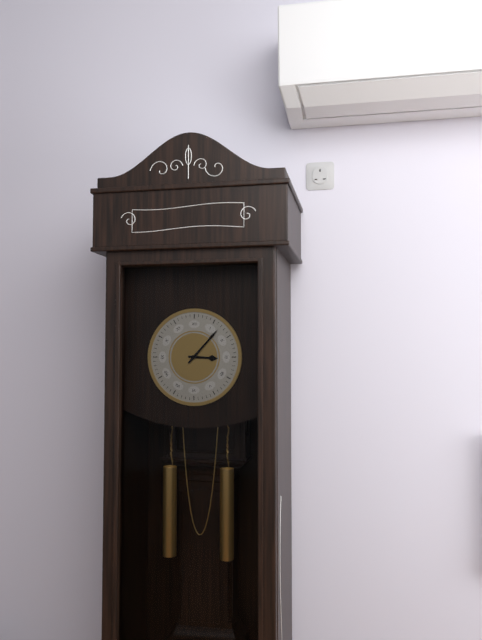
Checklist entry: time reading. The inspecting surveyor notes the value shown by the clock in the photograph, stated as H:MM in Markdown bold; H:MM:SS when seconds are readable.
**3:07**
